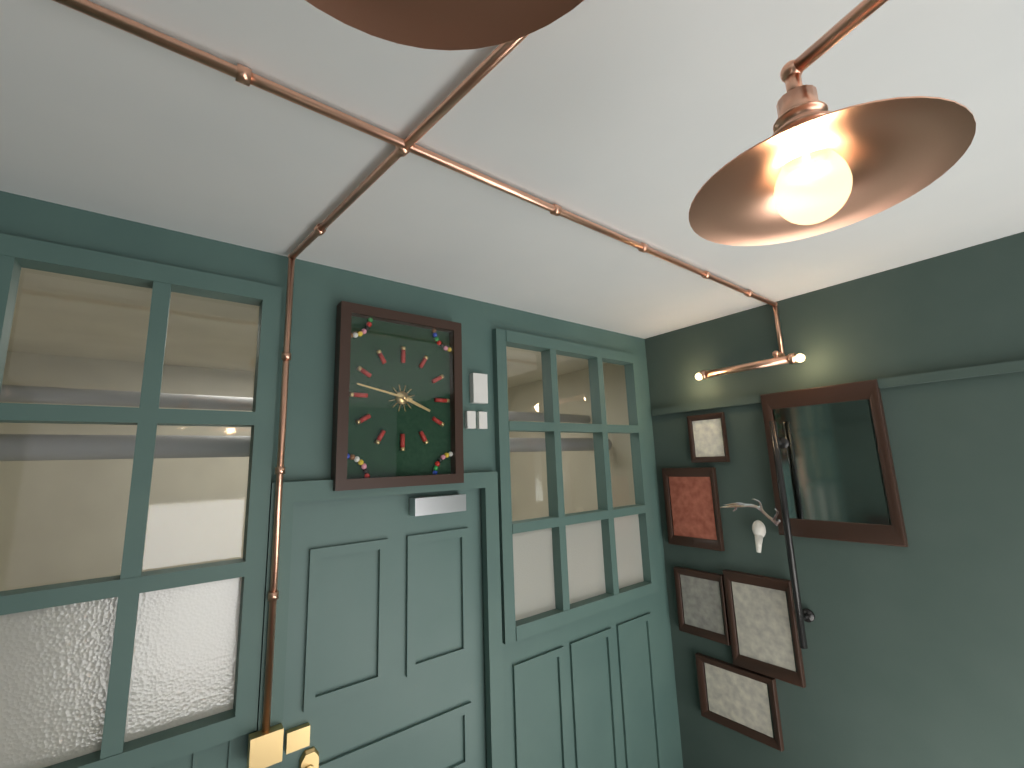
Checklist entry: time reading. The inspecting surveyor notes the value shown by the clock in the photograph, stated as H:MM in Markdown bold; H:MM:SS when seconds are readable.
**3:47**
